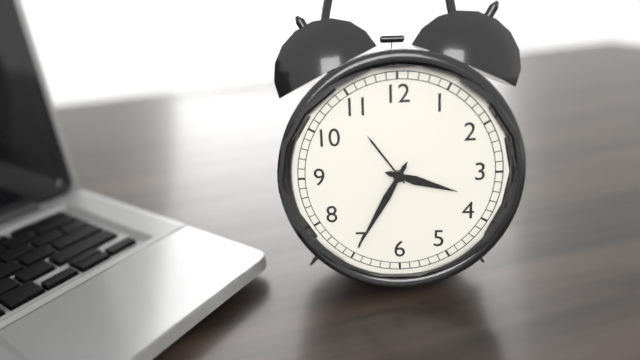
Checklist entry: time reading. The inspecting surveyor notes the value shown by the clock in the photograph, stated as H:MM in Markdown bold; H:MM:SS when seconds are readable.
**3:35**
